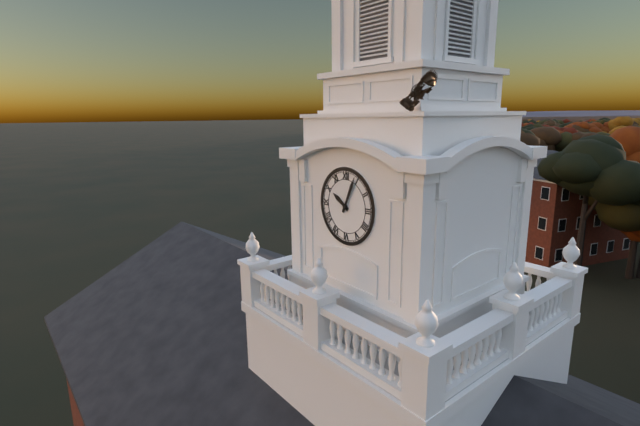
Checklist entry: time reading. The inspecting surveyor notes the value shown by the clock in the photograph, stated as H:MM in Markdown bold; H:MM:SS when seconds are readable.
**10:04**
